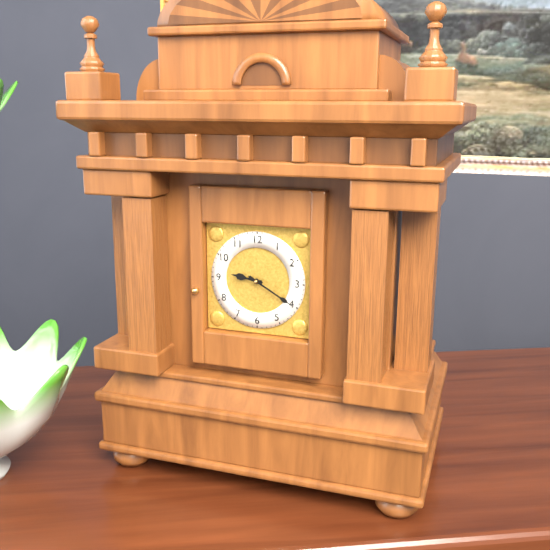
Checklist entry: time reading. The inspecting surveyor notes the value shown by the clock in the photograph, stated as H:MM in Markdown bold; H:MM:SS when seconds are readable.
**9:20**
